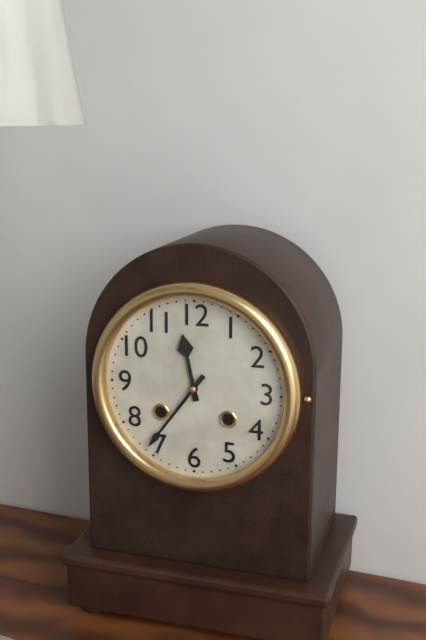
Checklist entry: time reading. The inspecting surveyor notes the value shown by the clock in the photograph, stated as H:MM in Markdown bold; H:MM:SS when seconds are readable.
**11:36**
